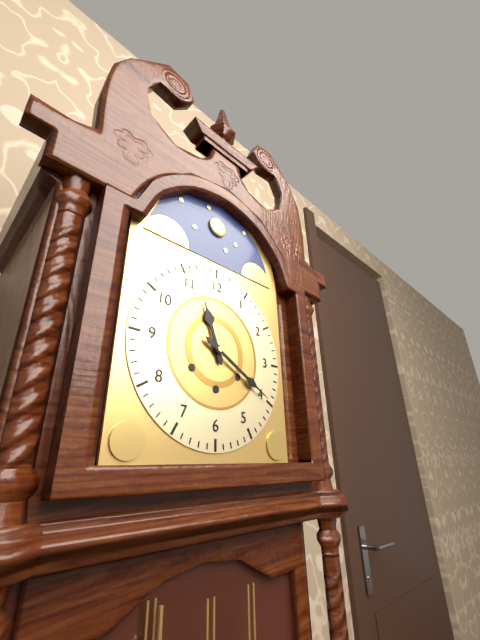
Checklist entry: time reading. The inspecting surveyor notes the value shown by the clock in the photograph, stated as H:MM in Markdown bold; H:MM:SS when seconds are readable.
**11:20**
